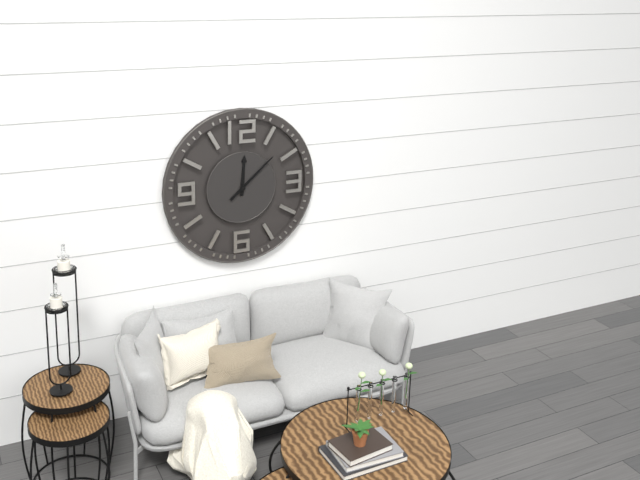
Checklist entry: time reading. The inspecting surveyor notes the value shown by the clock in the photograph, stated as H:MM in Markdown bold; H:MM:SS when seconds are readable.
**12:08**
